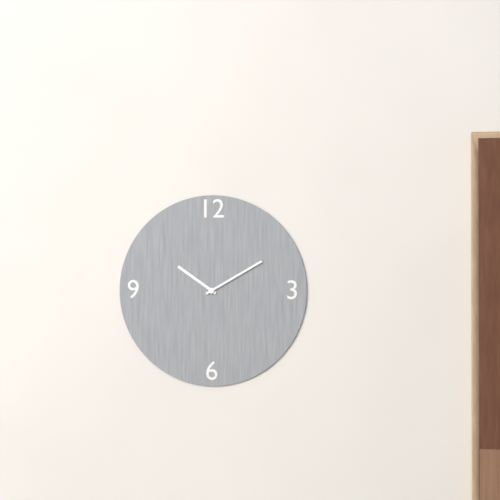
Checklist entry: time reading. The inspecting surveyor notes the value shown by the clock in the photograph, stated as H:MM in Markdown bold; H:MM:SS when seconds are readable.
**10:10**
